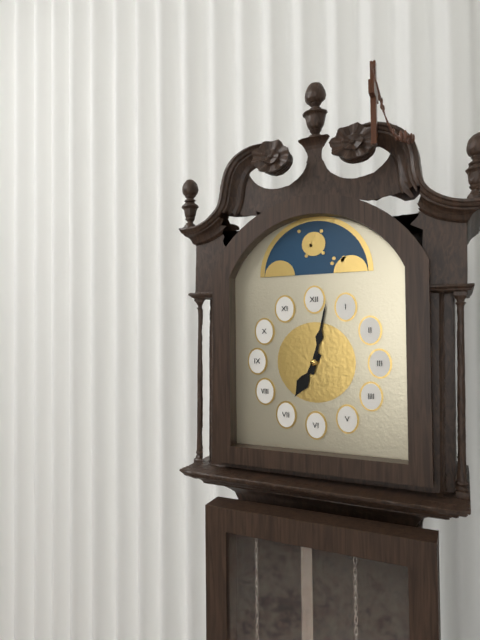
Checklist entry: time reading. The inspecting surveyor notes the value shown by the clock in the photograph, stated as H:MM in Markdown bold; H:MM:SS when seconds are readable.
**7:02**
